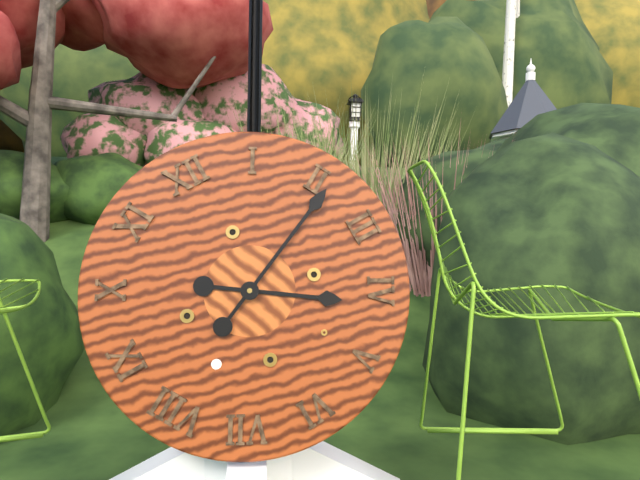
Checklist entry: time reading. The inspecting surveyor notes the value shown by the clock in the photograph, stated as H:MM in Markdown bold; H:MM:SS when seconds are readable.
**4:11**
